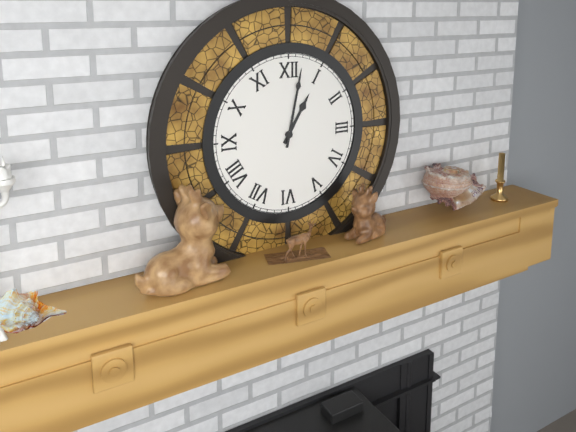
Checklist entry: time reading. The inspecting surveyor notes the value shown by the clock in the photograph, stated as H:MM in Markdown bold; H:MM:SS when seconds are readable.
**1:02**
